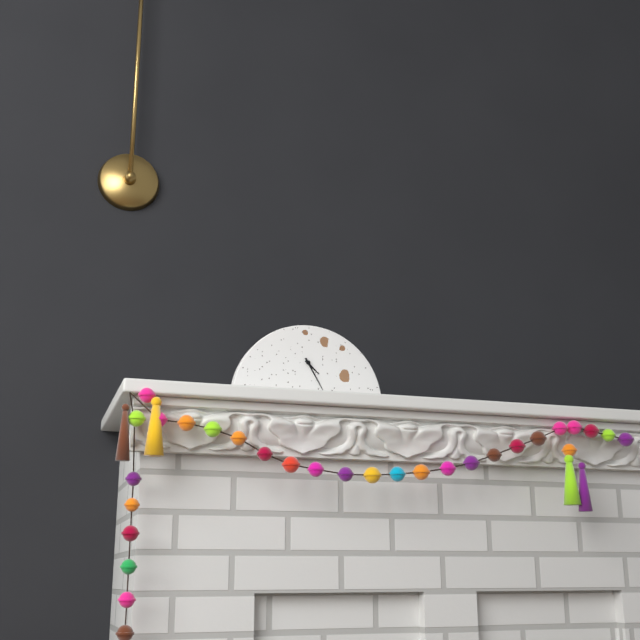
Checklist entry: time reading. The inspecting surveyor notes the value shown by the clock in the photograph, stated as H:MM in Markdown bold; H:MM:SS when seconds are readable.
**4:25**
